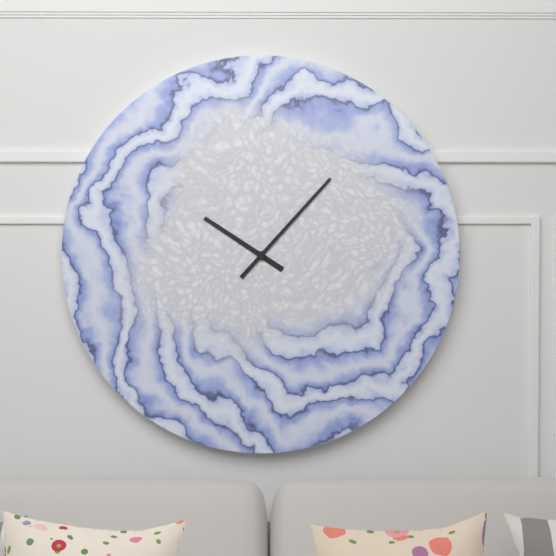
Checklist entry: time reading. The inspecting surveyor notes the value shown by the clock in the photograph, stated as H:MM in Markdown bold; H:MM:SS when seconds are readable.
**10:07**
